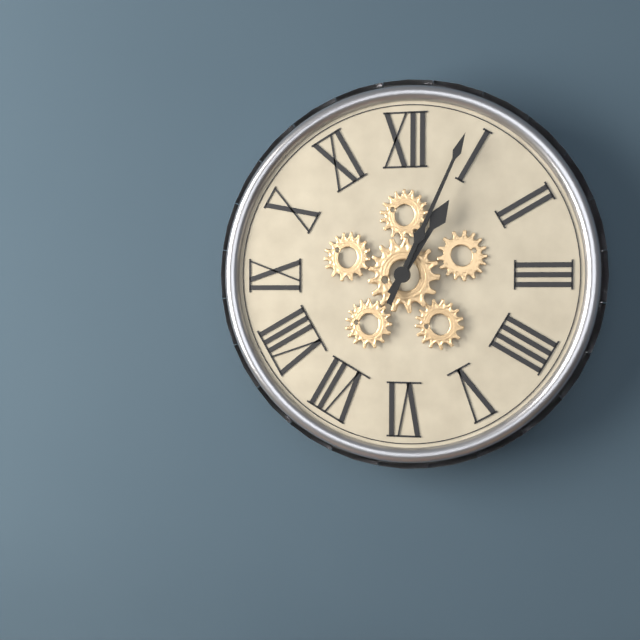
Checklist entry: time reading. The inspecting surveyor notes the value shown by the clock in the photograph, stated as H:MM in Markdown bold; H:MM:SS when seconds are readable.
**1:04**
